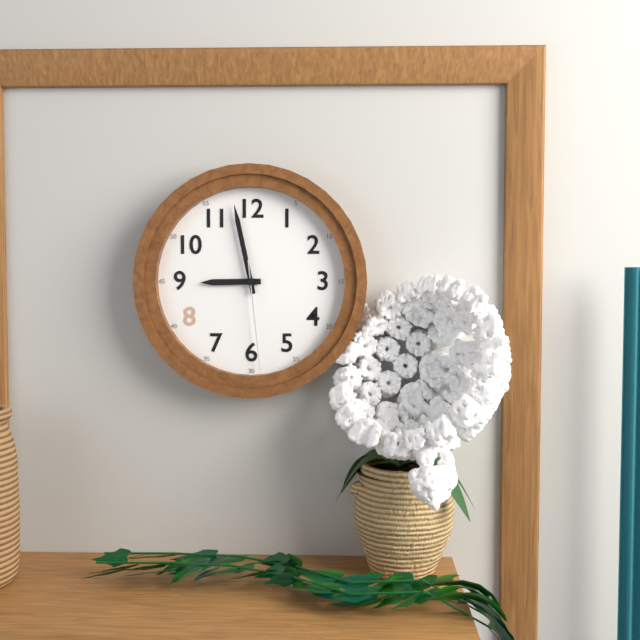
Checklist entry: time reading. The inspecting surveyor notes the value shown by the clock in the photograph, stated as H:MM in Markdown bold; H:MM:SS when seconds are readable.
**8:58:29**
